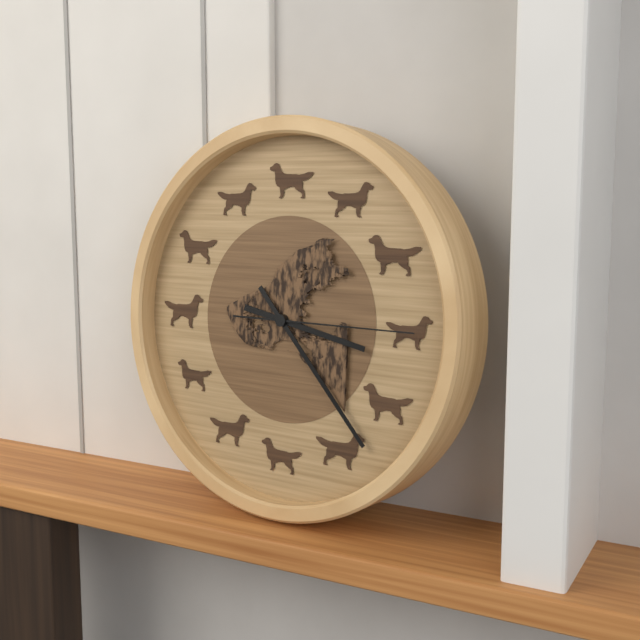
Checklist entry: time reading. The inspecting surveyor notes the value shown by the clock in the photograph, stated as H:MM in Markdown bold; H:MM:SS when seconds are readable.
**3:23:15**
